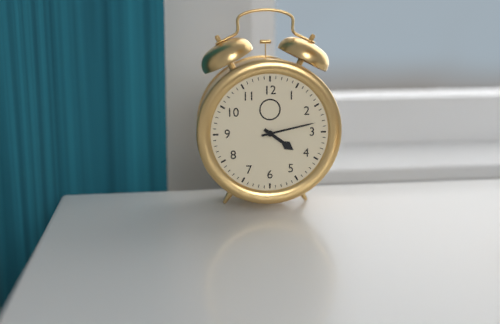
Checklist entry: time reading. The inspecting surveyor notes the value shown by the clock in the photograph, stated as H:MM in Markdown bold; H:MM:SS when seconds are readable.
**4:13**
